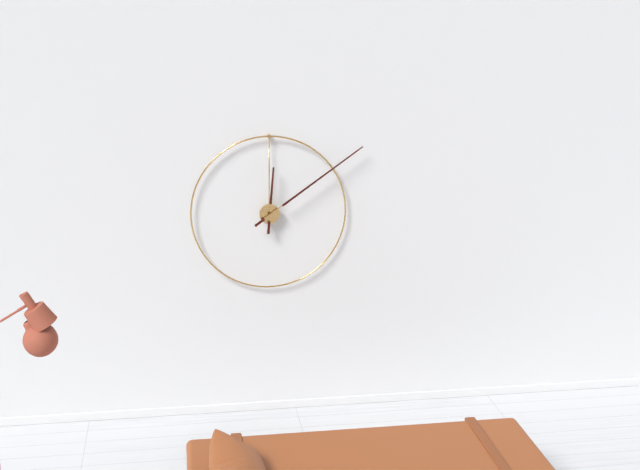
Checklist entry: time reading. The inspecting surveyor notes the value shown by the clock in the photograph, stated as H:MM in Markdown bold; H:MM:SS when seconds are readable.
**12:09**
